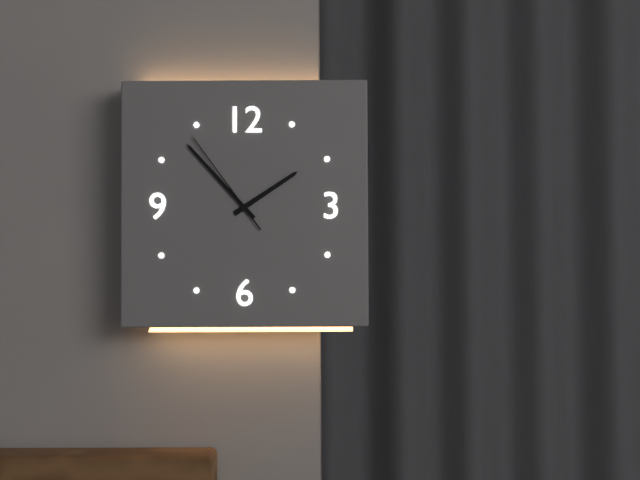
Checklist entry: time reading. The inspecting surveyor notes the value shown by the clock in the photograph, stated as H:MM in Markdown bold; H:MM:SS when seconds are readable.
**1:53:54**
